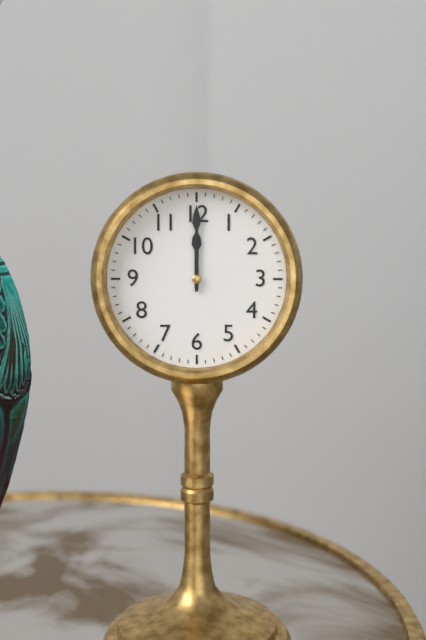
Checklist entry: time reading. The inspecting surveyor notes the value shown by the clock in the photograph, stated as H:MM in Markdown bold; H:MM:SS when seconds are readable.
**12:00**
